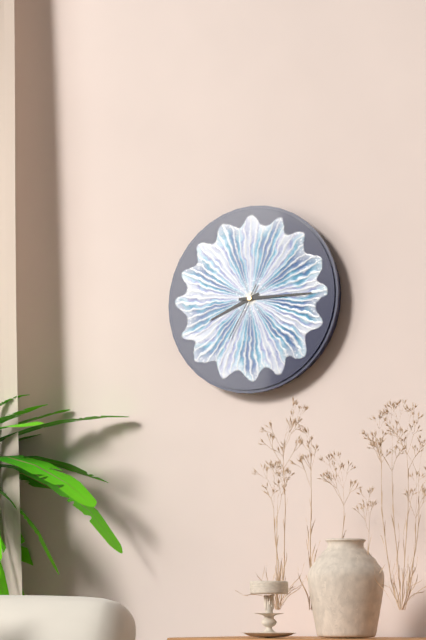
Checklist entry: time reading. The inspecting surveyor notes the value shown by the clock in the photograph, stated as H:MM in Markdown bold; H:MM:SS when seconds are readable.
**8:15:35**
